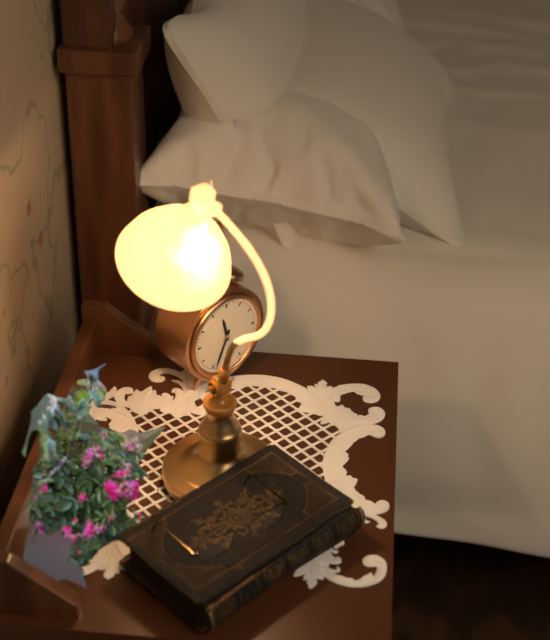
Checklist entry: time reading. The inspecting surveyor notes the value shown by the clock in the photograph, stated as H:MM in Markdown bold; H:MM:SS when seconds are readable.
**11:34**
